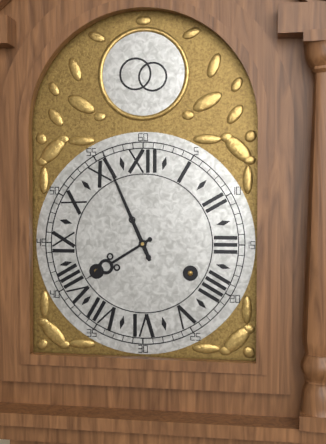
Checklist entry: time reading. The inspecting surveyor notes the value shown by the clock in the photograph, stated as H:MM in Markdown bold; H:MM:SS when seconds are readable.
**7:56**
